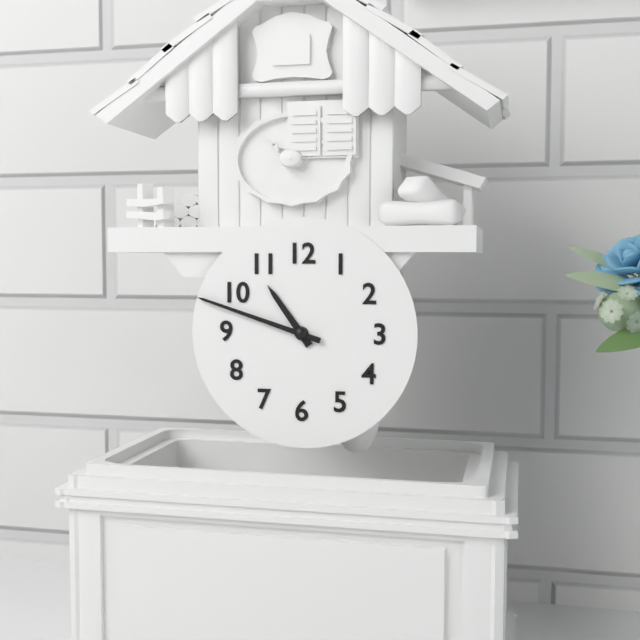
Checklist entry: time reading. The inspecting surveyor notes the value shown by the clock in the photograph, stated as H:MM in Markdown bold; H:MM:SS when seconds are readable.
**10:48**
